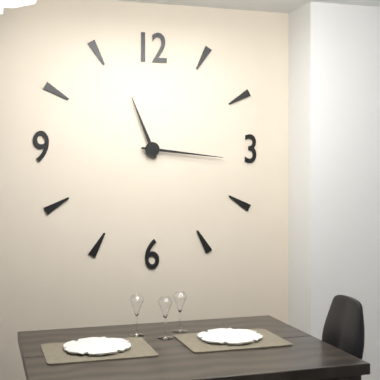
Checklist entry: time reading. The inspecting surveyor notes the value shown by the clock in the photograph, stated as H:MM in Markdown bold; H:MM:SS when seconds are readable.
**11:16**
